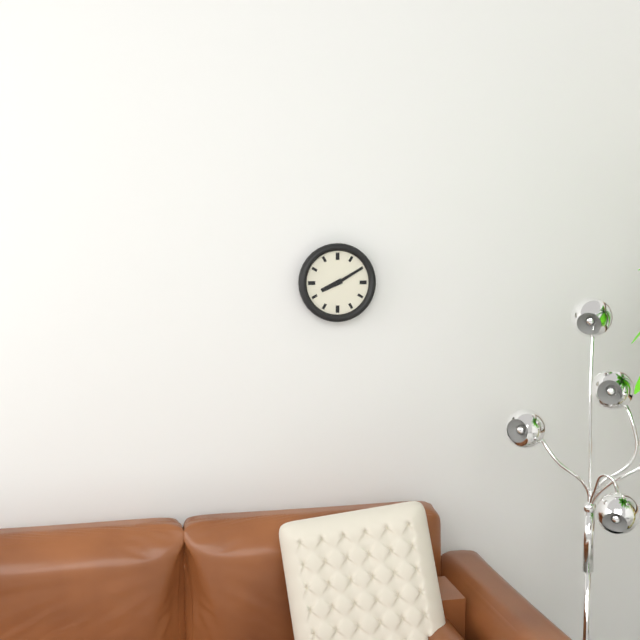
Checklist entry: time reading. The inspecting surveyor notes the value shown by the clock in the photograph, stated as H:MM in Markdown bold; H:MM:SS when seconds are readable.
**8:10**
